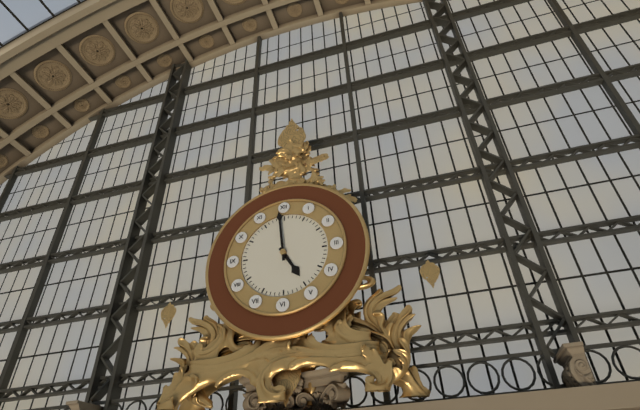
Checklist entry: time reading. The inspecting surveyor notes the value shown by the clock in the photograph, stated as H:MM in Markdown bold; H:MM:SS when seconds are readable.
**4:59**
